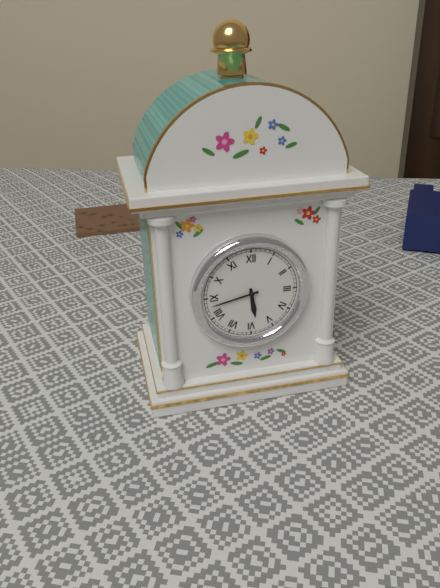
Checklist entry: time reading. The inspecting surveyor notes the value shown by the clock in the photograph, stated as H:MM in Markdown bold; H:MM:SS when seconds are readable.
**5:43**
